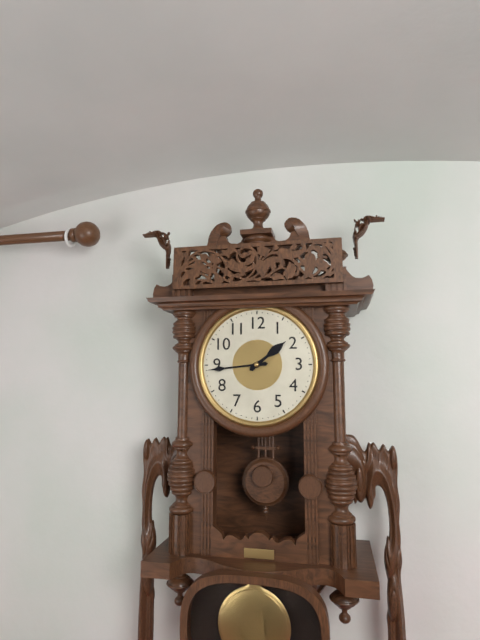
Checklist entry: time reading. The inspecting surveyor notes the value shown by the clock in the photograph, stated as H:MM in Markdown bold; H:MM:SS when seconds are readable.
**1:44**
